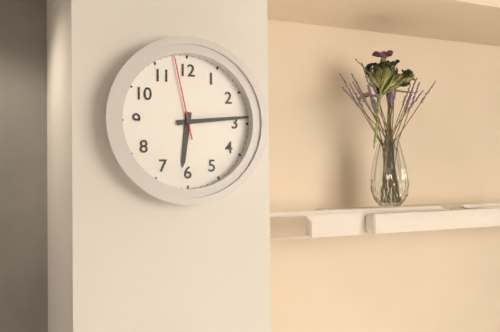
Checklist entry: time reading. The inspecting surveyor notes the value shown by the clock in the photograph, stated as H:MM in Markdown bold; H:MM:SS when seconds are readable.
**6:14:58**
